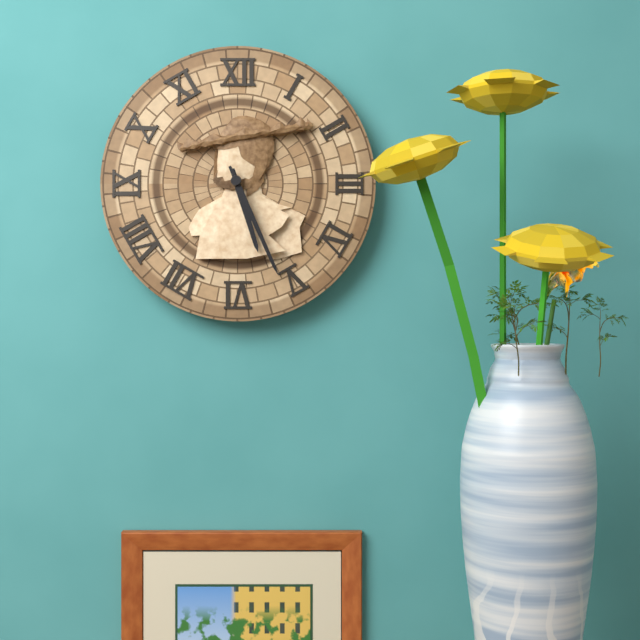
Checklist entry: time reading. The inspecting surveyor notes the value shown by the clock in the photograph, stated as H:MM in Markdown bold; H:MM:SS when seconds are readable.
**5:26**
